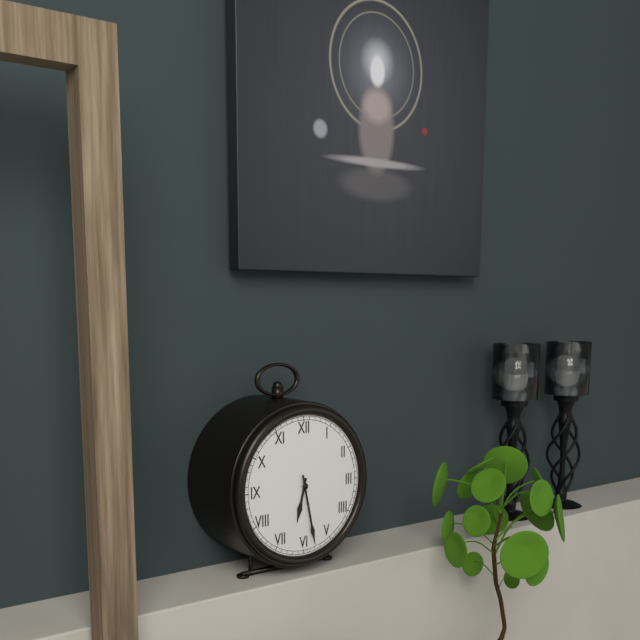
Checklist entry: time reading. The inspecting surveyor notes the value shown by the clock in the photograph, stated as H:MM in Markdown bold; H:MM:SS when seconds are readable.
**6:28**
